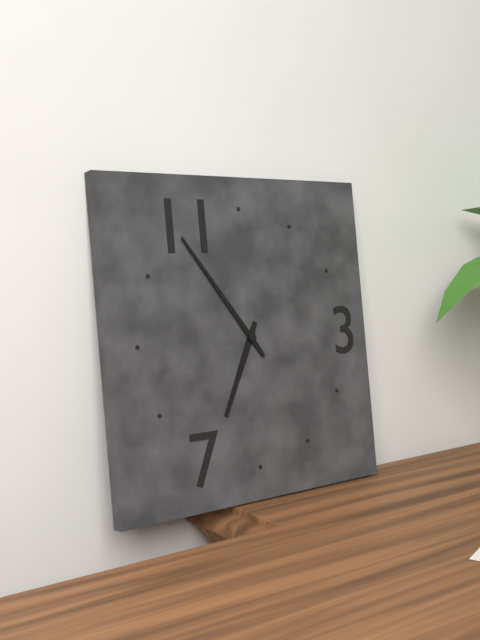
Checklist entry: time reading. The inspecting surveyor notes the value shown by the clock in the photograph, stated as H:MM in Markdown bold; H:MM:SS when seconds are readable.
**6:54**
